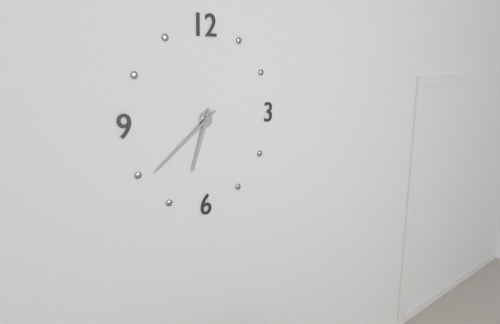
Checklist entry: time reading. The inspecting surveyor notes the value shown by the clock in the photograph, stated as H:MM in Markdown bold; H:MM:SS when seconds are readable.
**6:39**
